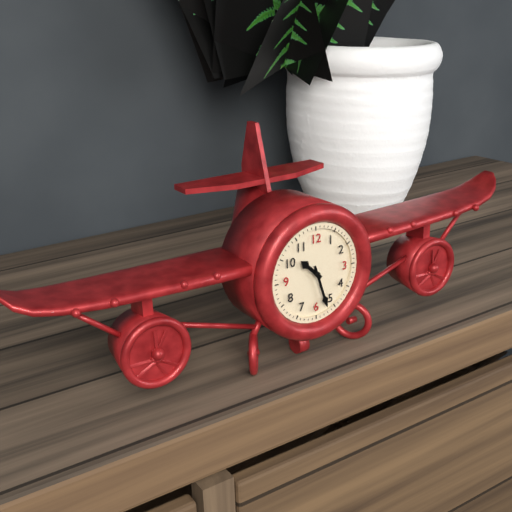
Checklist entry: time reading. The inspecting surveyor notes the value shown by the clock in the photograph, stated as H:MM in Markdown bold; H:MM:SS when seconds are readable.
**10:27**
